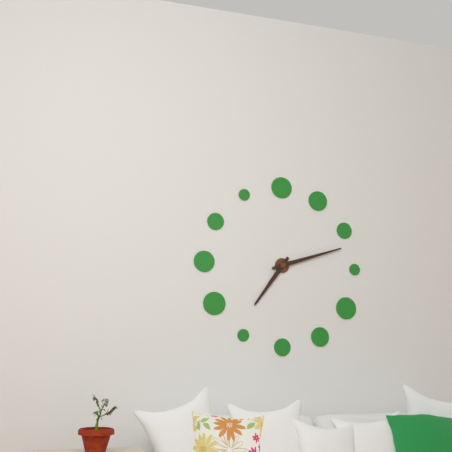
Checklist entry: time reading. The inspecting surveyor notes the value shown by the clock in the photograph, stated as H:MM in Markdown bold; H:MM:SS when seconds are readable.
**7:12**
